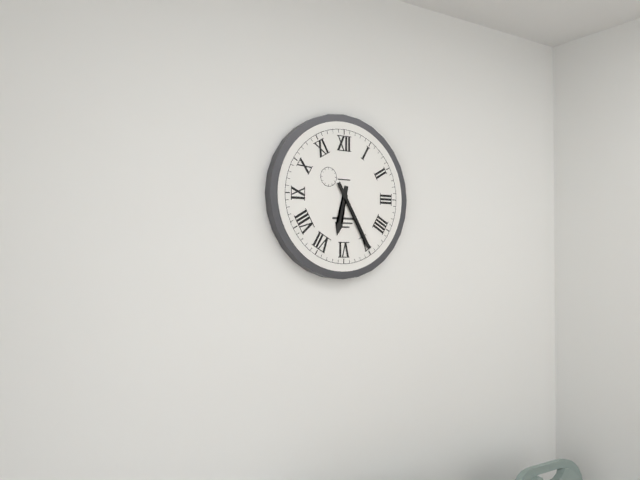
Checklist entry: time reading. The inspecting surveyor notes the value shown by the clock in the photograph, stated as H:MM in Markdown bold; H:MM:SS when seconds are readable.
**6:25**
